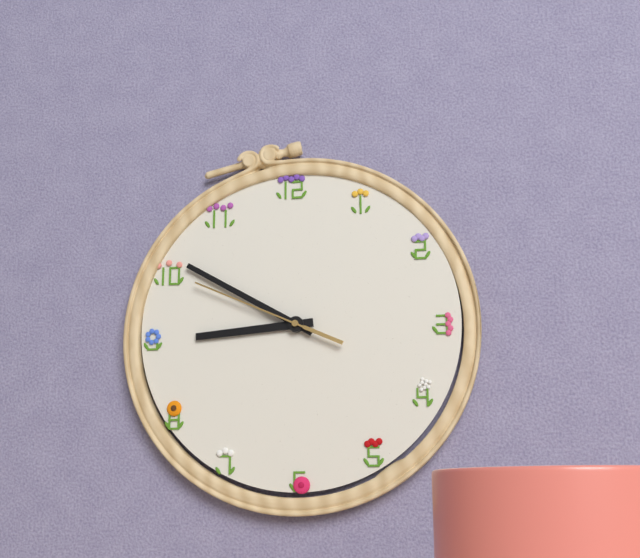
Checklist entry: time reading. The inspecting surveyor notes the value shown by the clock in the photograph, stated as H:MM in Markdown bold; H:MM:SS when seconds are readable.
**8:50:49**
